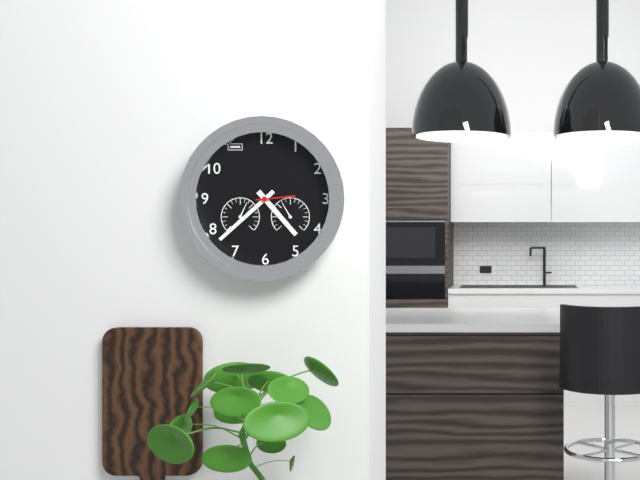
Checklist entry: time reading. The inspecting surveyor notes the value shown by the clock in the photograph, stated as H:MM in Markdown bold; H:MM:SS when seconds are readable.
**4:38**
